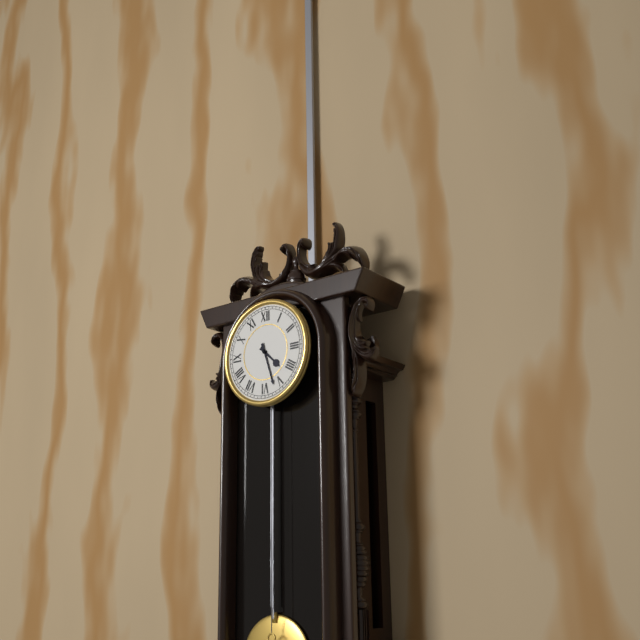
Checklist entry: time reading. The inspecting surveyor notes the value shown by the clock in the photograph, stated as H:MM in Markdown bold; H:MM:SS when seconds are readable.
**4:27**
